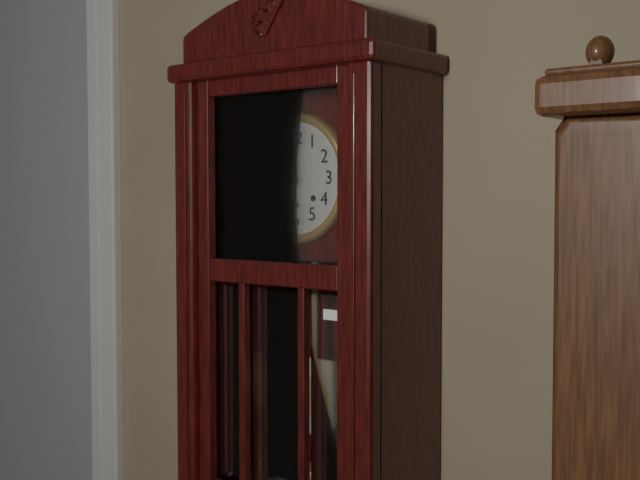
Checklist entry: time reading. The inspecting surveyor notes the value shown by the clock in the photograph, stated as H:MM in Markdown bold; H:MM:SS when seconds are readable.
**11:00**
